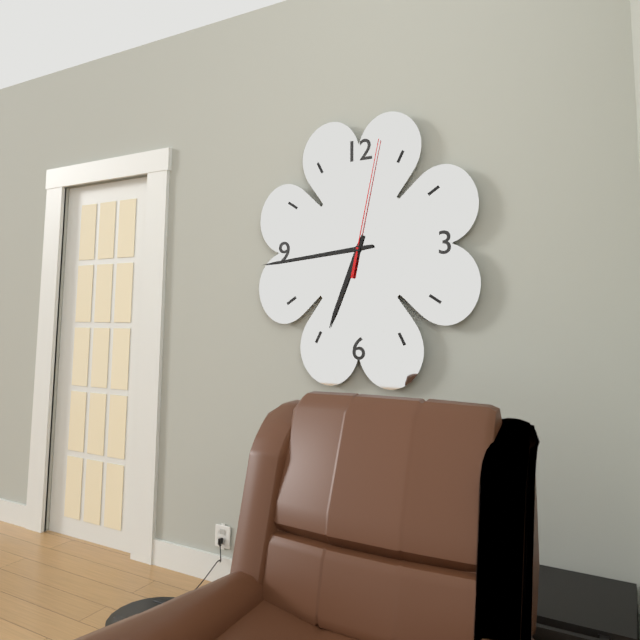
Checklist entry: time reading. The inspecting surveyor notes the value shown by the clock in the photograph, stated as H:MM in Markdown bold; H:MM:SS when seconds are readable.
**6:44:02**
